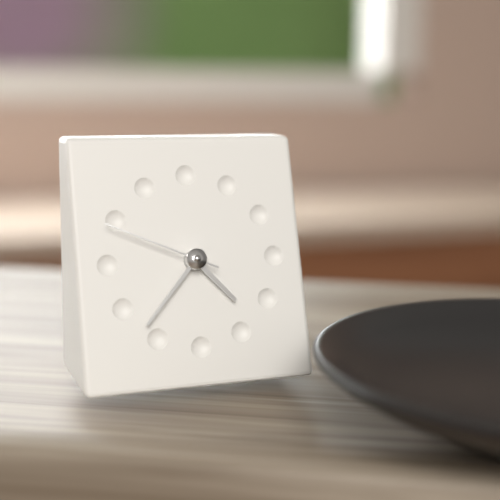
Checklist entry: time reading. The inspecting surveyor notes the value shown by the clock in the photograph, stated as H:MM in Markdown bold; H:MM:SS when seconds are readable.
**4:37:49**
